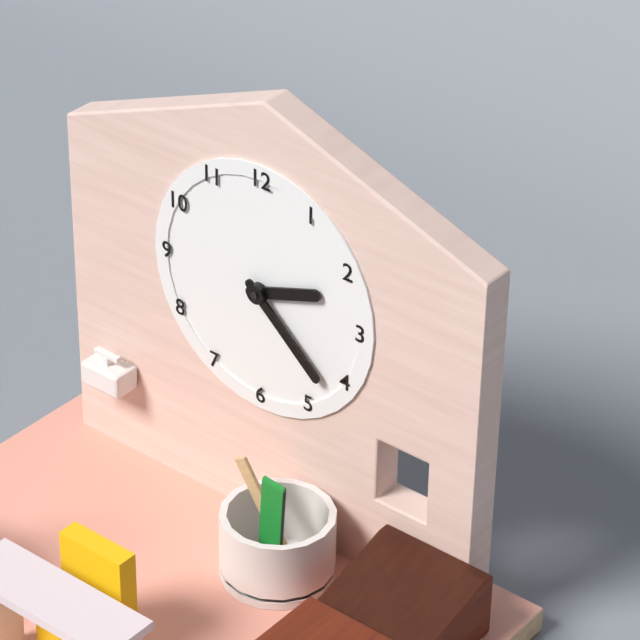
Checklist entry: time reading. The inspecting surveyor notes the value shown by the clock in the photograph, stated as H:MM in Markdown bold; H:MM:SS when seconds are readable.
**2:22**
